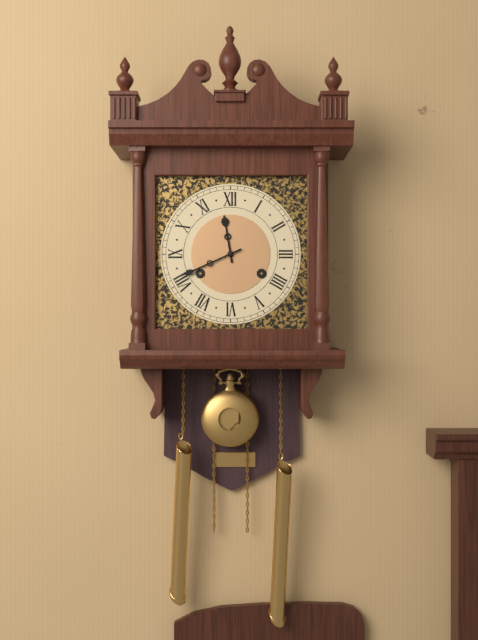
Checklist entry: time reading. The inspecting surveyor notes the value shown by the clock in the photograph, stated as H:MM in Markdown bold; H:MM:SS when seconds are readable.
**11:41**
